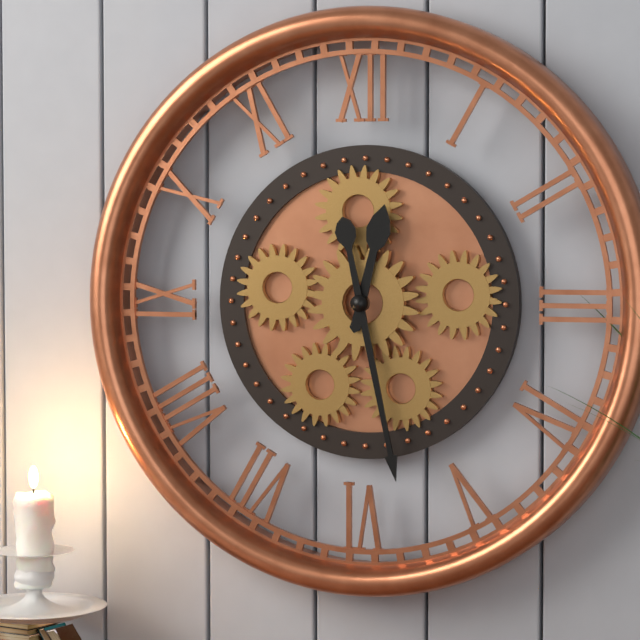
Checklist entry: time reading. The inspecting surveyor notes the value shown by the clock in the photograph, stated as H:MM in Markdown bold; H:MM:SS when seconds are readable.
**12:28**
